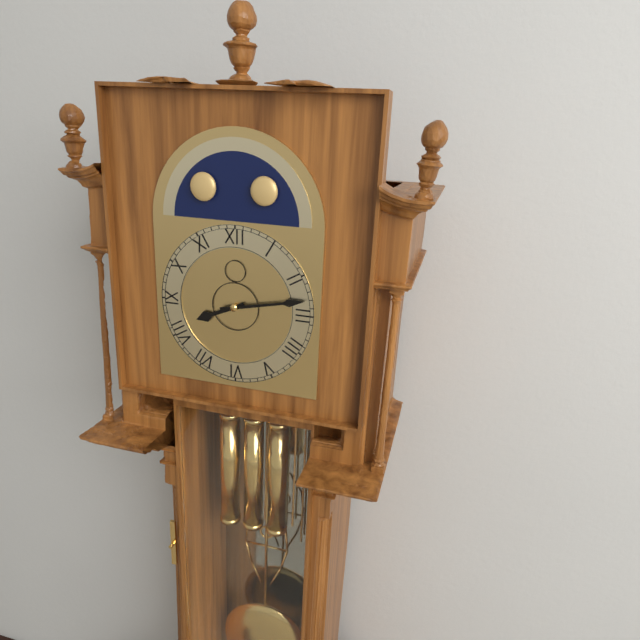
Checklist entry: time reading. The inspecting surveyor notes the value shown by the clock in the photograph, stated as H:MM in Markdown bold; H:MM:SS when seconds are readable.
**8:13**
